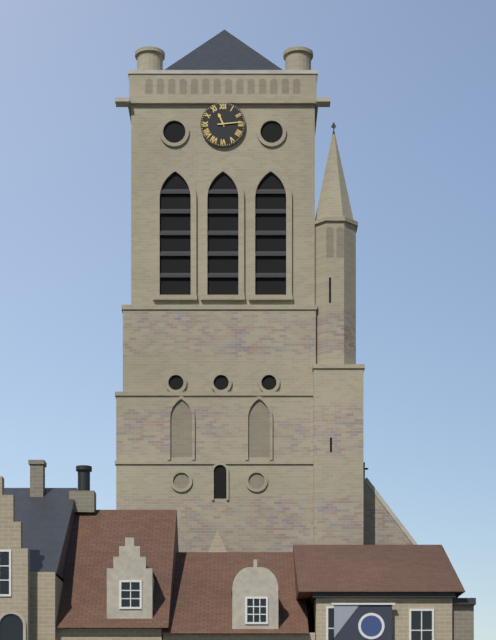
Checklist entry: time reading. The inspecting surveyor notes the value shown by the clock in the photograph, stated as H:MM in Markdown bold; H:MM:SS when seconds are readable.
**11:14**
